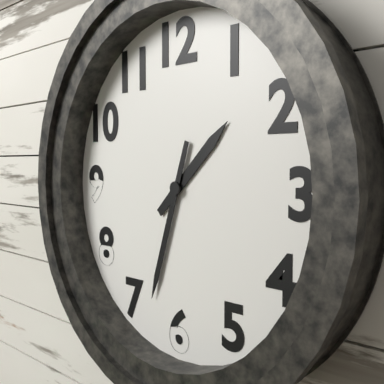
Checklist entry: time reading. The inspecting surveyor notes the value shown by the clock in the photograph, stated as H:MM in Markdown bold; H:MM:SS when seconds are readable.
**1:33**
